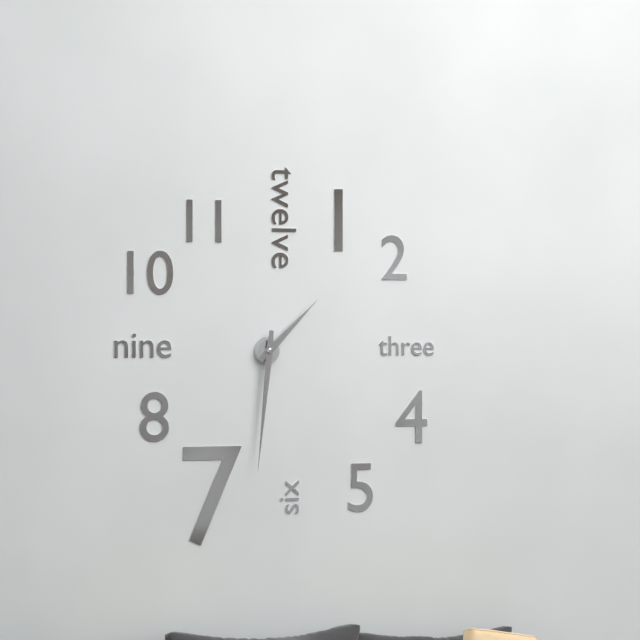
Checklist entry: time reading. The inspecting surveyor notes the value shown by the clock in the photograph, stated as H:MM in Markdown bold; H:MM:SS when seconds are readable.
**1:31**
